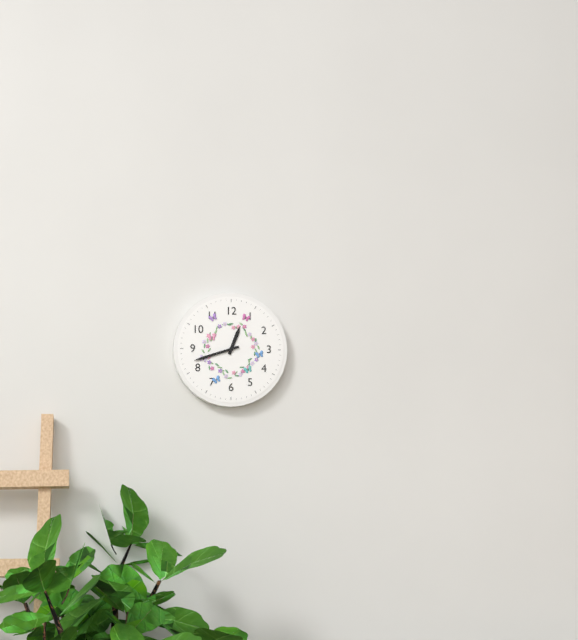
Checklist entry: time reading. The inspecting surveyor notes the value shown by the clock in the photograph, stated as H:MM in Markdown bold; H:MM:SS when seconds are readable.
**12:42**
